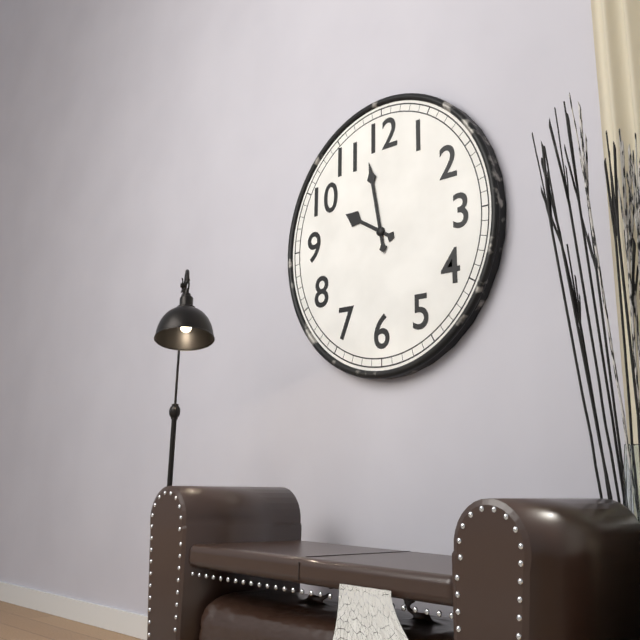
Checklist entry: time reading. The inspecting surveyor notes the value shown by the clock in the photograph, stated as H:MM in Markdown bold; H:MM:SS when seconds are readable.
**9:58**
